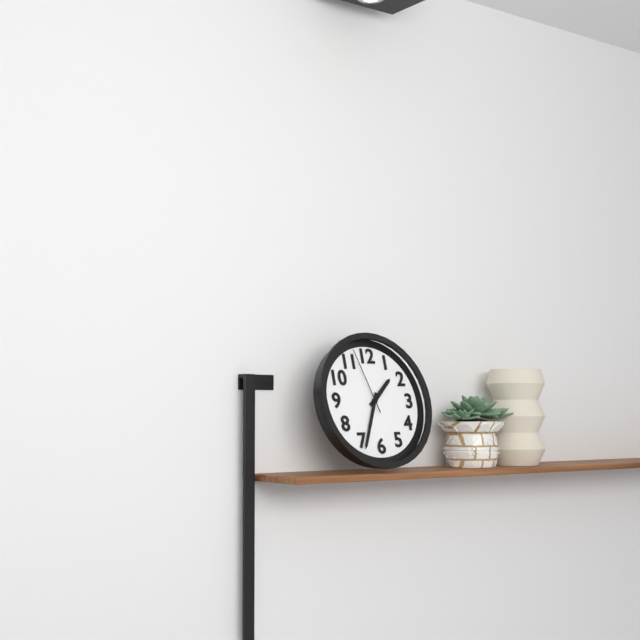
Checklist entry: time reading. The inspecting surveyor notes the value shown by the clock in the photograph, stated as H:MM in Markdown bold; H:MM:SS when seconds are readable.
**1:34:57**
